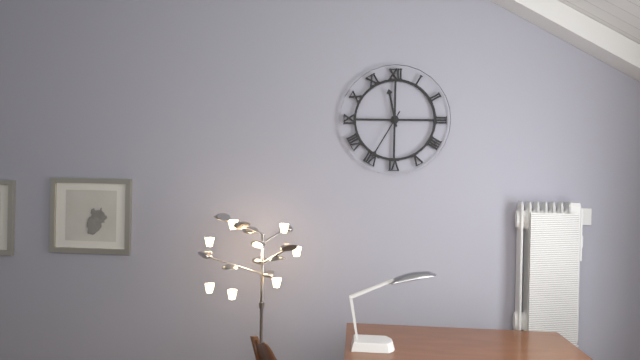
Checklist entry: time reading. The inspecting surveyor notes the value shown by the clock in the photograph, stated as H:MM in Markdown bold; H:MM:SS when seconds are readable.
**11:35**
